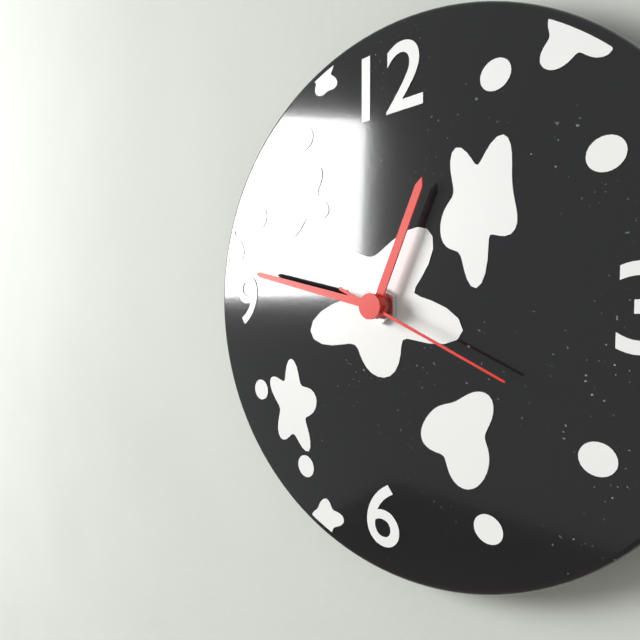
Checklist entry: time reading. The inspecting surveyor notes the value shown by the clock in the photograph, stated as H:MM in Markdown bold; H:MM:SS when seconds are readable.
**12:47:19**
